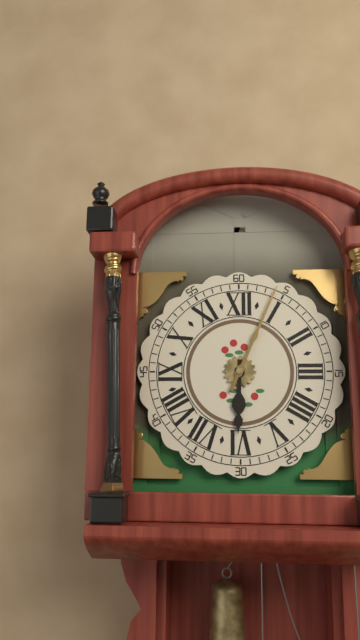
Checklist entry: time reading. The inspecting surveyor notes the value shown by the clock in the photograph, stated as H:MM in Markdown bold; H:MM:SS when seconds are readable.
**6:04**
